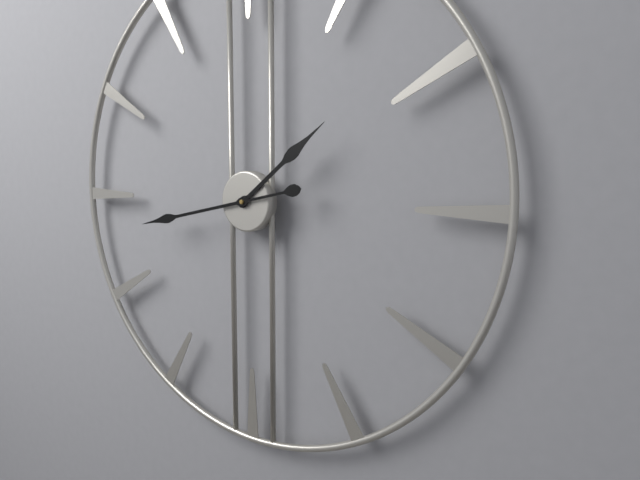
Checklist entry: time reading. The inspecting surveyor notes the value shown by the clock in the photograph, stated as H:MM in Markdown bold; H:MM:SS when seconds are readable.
**1:43**
